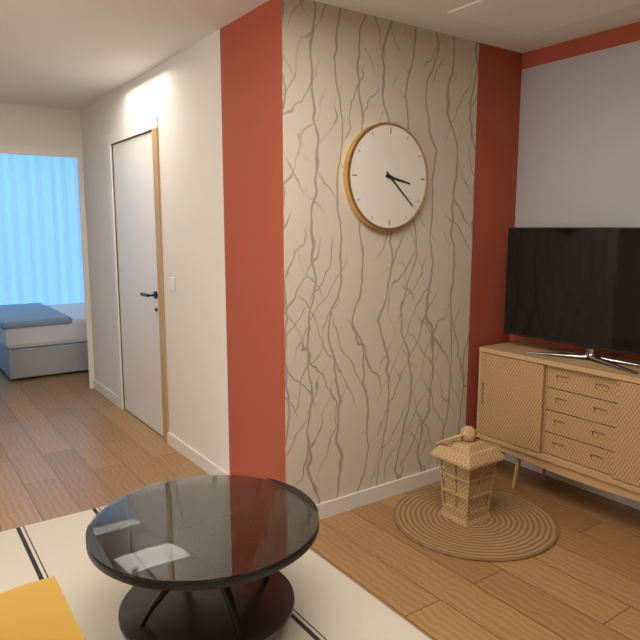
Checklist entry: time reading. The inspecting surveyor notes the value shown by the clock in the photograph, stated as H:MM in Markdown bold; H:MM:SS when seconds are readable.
**3:22**
